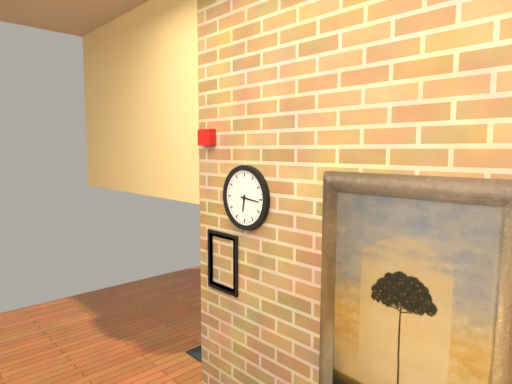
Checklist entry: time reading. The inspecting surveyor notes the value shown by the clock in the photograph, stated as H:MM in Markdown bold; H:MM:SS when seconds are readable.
**6:16**
